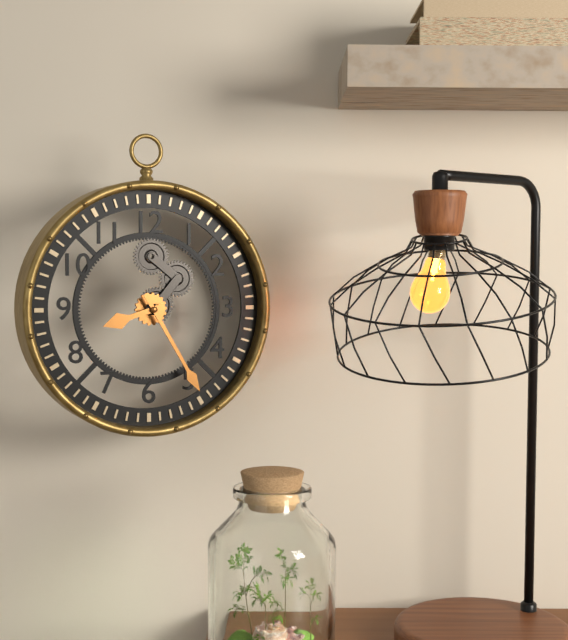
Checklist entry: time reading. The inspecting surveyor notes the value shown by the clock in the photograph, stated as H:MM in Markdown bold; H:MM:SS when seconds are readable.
**8:25**
